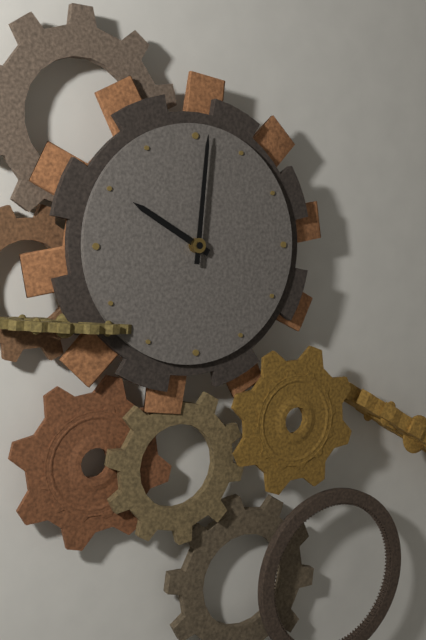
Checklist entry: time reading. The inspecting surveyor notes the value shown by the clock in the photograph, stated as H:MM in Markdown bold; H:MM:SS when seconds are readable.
**10:01**
